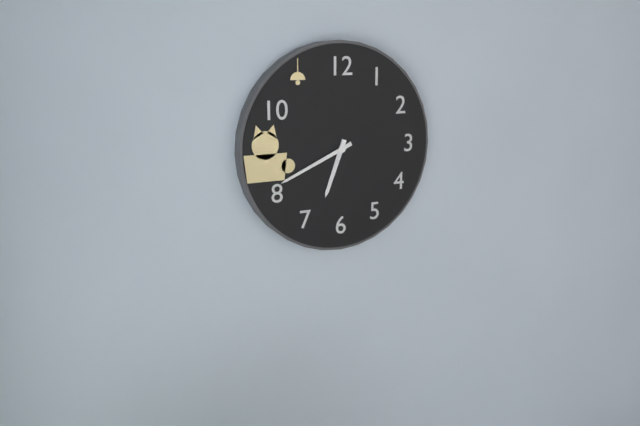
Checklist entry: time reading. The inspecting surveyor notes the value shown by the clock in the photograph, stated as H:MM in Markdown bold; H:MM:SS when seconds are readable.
**6:41**
